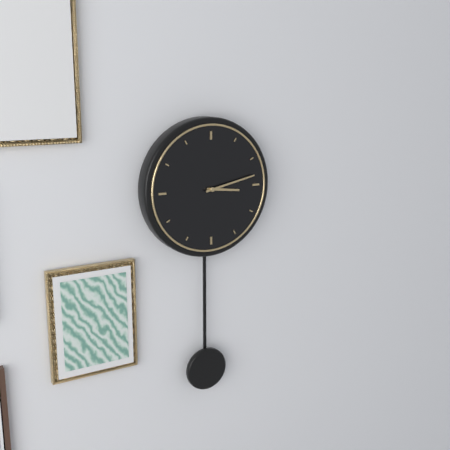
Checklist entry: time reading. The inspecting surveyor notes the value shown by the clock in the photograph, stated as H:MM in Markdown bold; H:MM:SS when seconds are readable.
**3:13**
